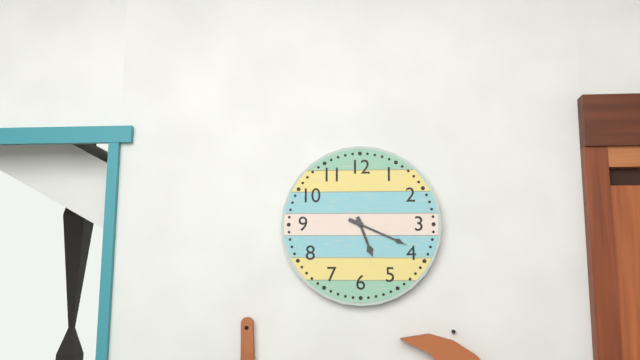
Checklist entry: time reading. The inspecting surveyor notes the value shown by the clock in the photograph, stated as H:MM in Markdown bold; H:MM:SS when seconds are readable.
**5:19**
